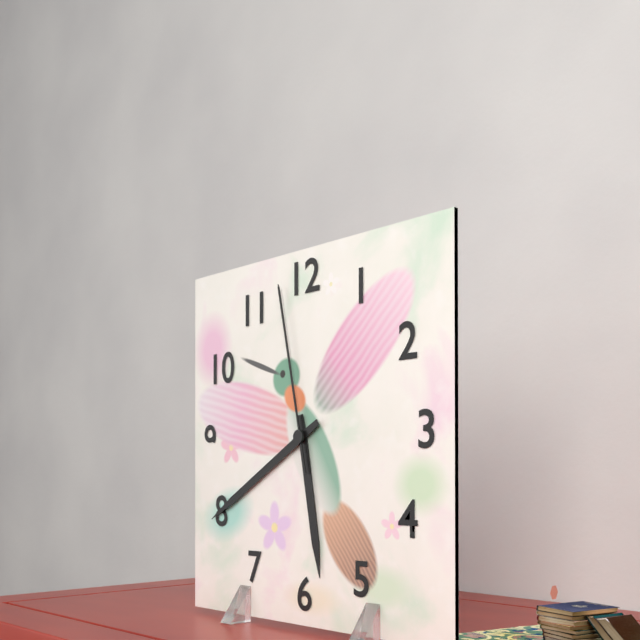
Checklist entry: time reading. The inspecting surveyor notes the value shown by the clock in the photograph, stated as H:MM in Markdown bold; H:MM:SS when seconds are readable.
**5:40:58**
